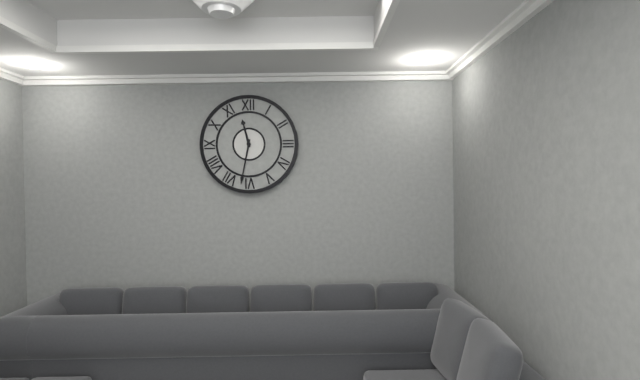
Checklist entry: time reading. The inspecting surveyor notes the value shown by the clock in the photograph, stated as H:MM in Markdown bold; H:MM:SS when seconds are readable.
**11:32**
